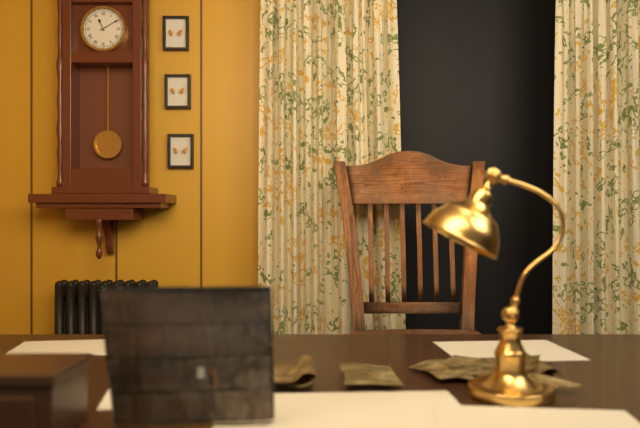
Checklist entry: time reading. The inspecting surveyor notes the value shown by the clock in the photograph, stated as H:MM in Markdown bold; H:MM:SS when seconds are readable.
**11:10**
